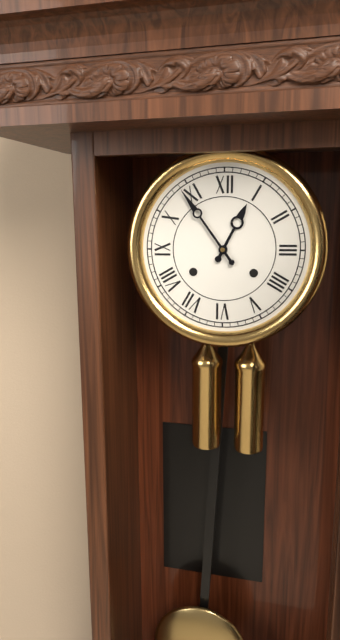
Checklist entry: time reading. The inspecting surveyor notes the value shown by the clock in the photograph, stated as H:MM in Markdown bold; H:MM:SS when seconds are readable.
**12:54**
